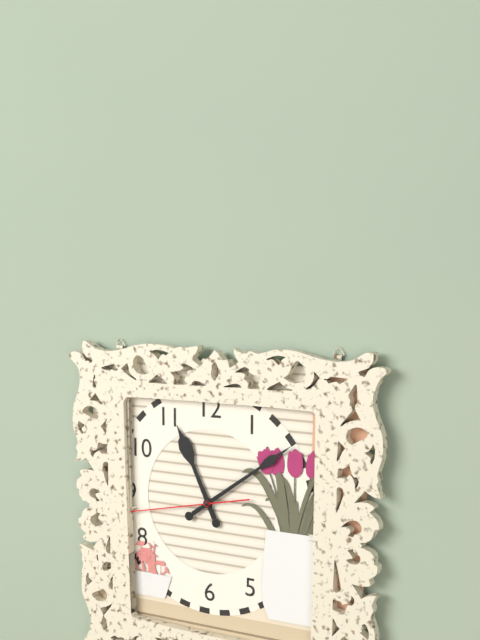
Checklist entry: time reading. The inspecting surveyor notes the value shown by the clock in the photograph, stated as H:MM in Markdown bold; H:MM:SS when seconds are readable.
**11:09:43**
